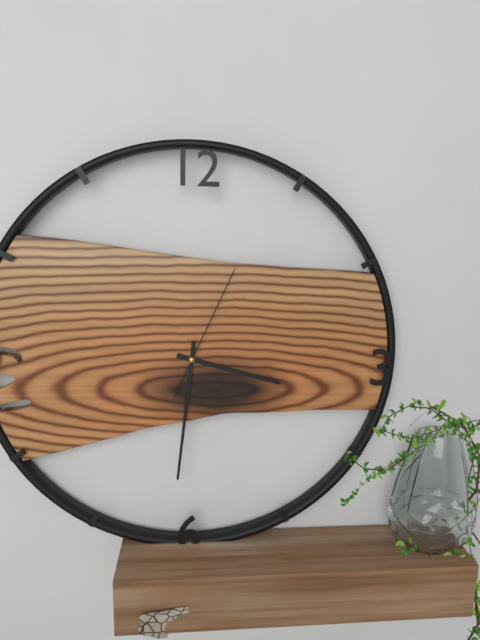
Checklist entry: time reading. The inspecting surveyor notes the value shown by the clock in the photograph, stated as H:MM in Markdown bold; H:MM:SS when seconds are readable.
**3:31:04**
